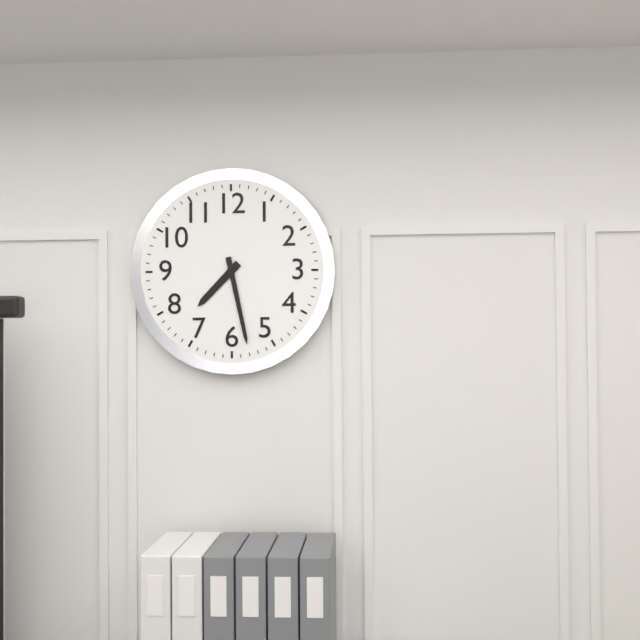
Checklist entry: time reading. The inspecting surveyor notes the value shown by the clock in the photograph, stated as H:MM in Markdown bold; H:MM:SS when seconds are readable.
**7:28**
